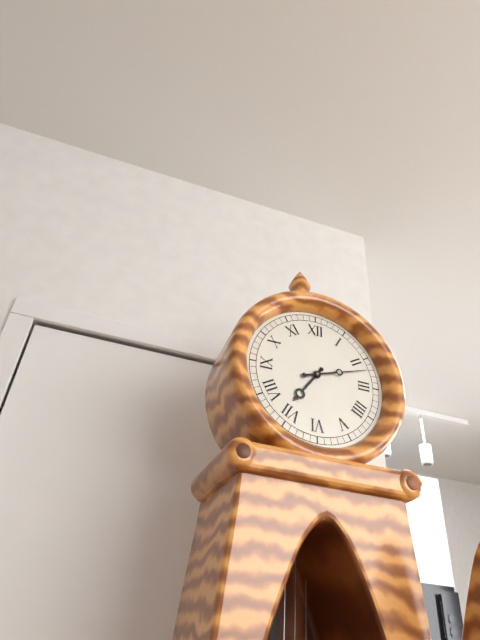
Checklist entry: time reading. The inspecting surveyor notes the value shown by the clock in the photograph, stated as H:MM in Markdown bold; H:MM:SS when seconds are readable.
**7:12**
